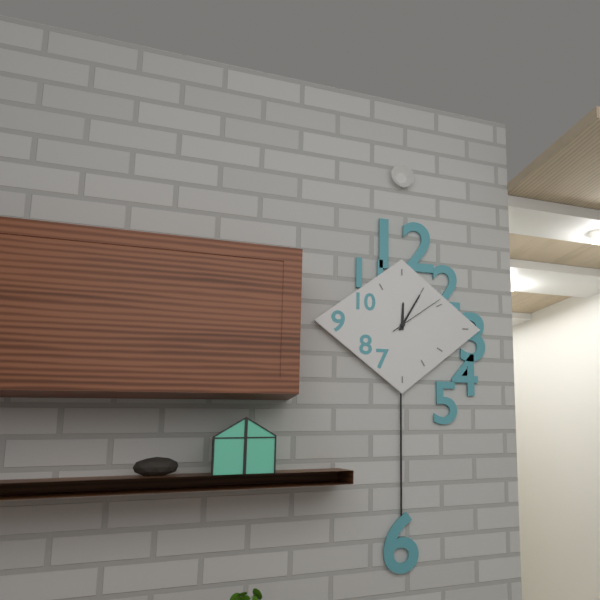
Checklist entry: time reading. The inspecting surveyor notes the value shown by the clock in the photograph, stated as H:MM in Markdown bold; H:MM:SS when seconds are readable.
**12:05:09**
